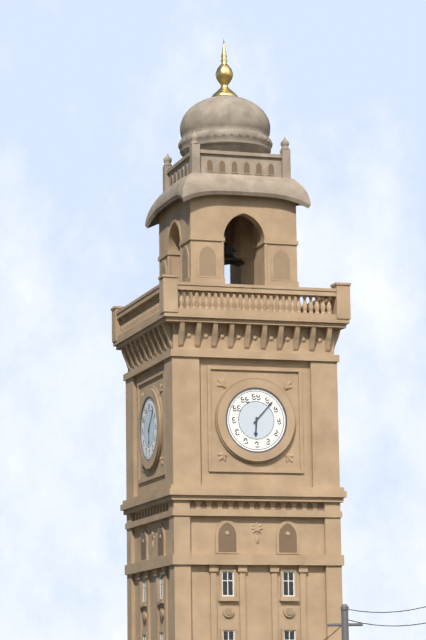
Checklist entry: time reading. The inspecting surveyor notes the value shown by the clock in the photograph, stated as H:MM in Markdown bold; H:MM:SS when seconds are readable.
**6:07**
